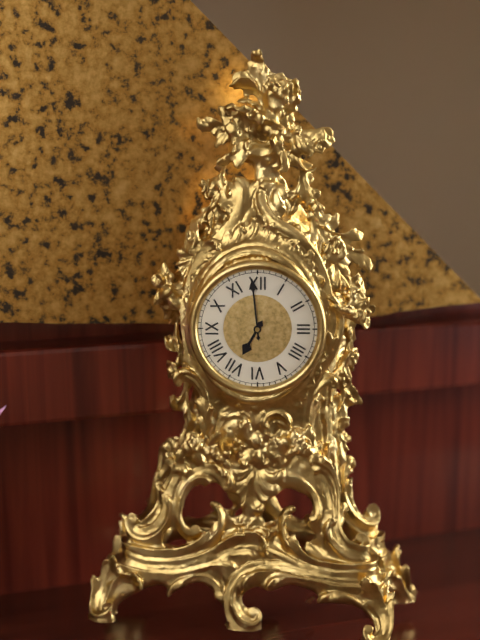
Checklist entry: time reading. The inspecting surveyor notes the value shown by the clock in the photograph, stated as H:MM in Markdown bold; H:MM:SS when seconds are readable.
**6:59**
